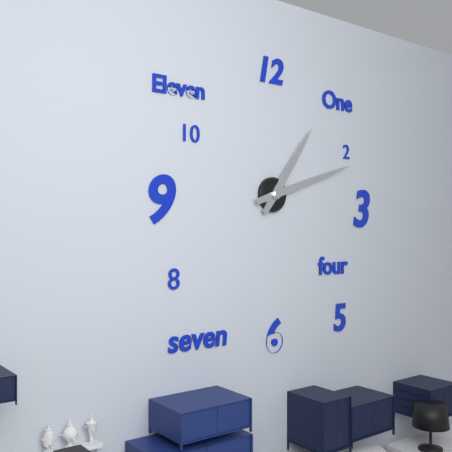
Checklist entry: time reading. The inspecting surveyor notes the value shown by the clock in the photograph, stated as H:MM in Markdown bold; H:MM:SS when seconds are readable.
**1:12**
